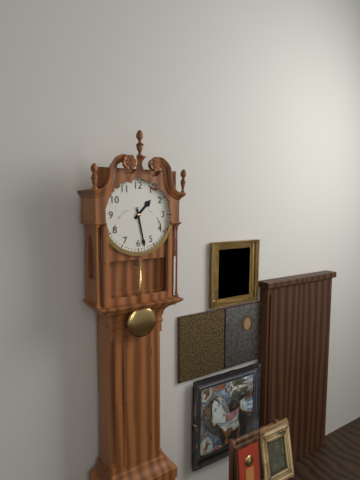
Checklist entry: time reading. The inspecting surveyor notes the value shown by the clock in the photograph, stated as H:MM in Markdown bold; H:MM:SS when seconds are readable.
**1:28**
